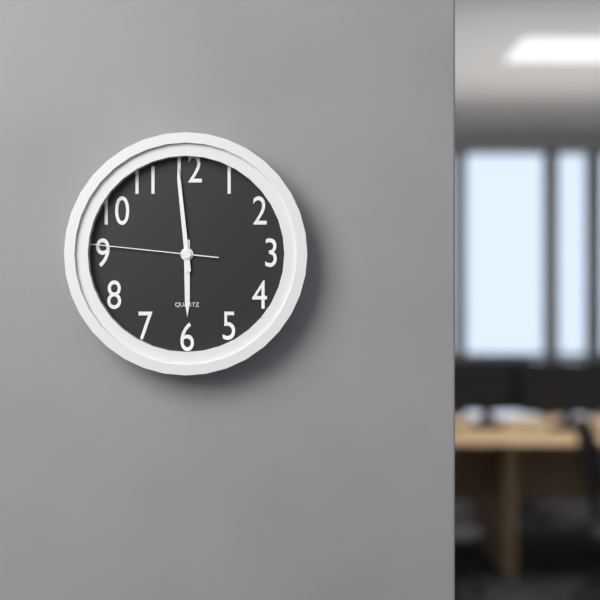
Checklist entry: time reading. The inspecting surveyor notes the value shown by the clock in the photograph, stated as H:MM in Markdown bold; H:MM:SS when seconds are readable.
**5:59:46**
